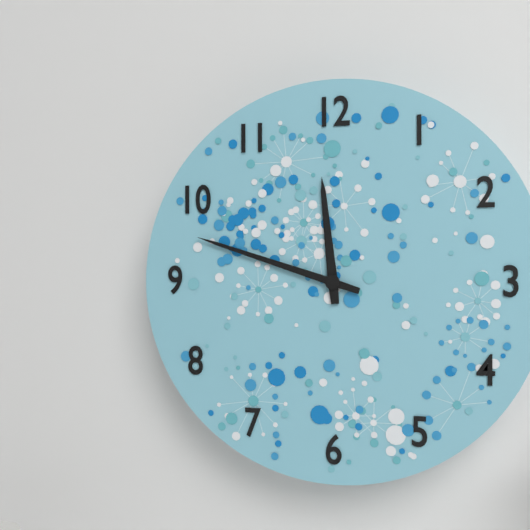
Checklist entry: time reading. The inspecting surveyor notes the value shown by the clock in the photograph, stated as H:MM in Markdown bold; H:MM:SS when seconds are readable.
**11:48**
